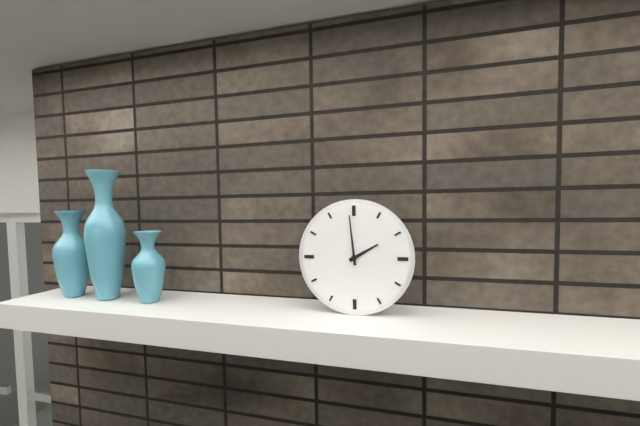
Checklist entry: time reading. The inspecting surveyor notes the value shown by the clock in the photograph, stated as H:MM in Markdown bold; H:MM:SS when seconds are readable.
**1:59**
